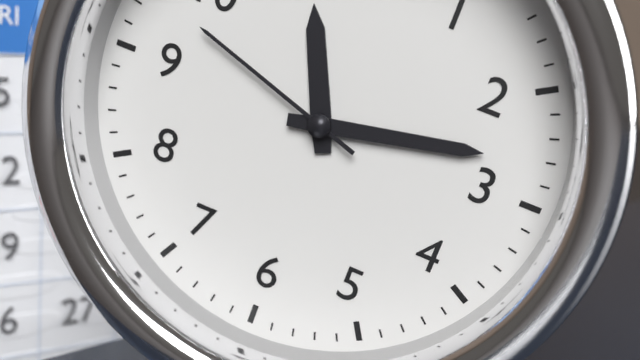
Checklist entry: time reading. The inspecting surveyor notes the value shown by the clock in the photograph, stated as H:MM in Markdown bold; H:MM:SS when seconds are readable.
**11:13:48**
